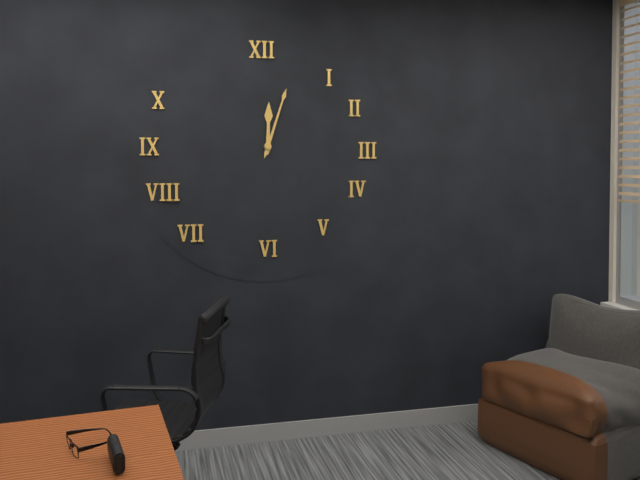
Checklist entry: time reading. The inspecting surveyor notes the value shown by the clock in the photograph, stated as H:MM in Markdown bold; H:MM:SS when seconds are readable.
**12:03**
